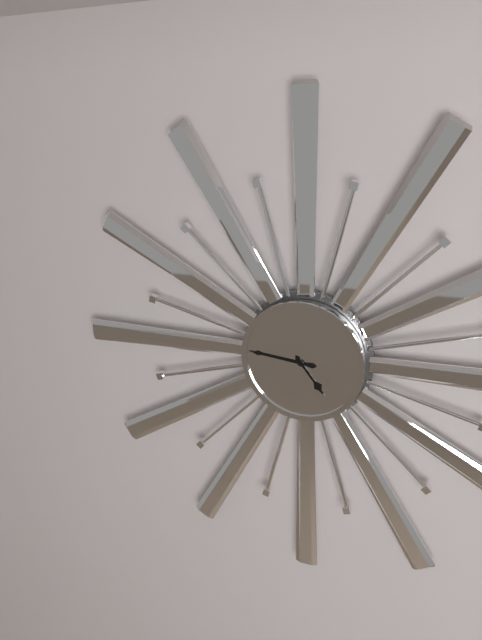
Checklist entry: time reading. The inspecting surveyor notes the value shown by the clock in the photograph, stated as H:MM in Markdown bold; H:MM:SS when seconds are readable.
**4:46**
